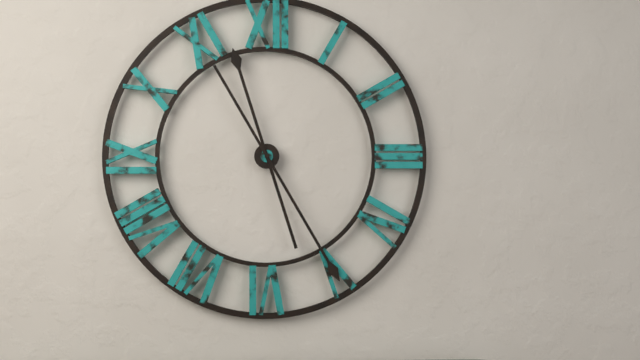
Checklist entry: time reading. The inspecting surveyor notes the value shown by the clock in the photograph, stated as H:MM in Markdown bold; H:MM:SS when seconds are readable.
**11:25**
